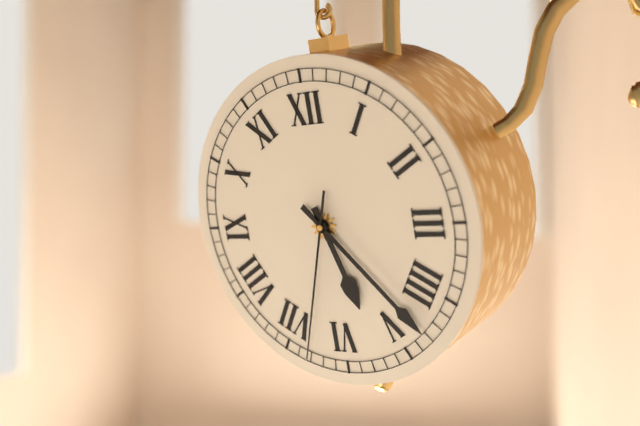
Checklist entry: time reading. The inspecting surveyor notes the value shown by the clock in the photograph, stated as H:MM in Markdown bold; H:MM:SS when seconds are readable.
**5:23:33**
